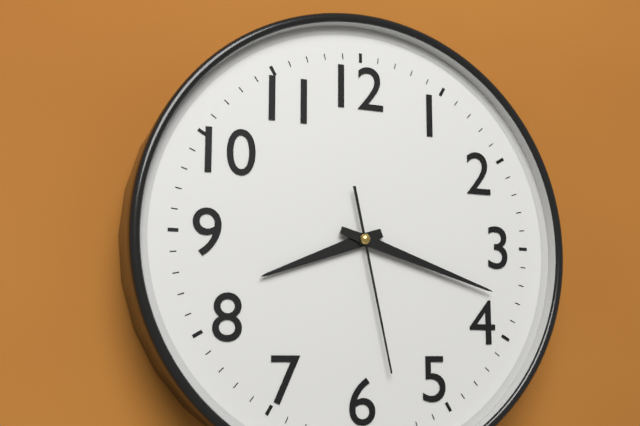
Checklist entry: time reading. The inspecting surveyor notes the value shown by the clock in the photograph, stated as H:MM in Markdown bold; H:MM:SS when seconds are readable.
**8:18:28**
